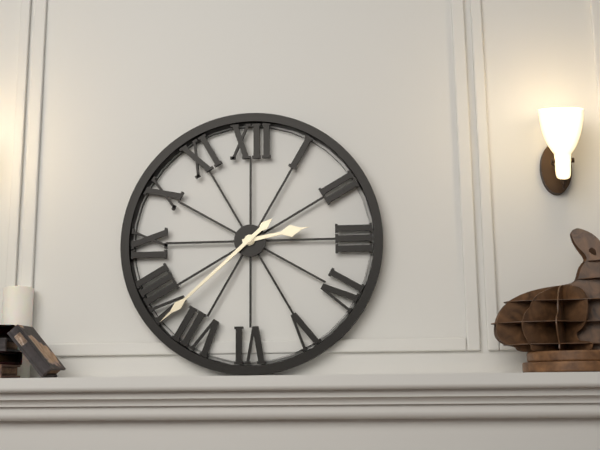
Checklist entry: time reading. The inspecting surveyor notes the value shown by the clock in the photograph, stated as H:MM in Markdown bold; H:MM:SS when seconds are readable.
**2:38**
